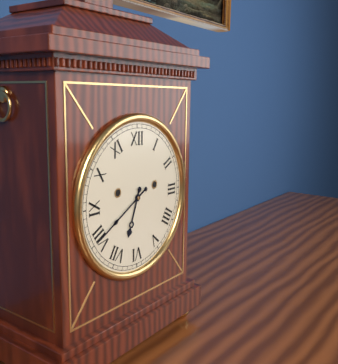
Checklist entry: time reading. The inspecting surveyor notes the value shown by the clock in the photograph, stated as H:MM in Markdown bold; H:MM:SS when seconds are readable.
**6:40**
